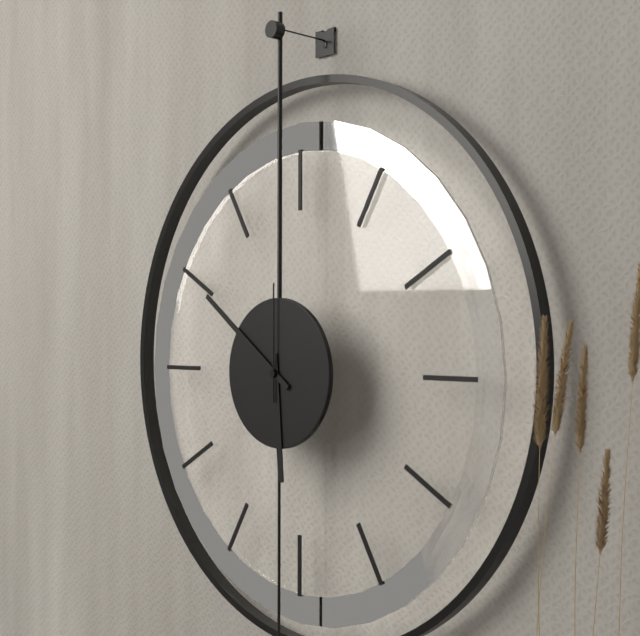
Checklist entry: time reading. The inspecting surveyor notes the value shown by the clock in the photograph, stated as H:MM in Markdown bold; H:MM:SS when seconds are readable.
**5:51:00**
